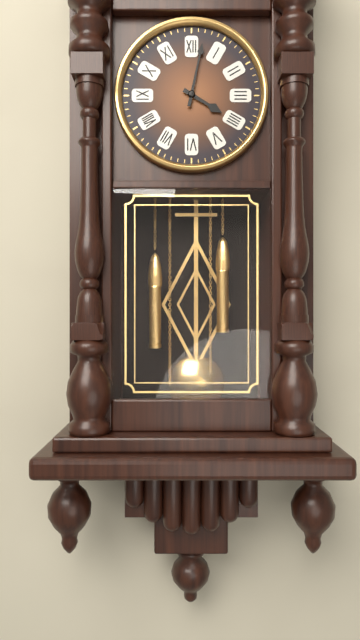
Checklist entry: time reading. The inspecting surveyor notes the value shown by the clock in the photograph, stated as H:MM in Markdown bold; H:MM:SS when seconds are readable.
**4:02**
